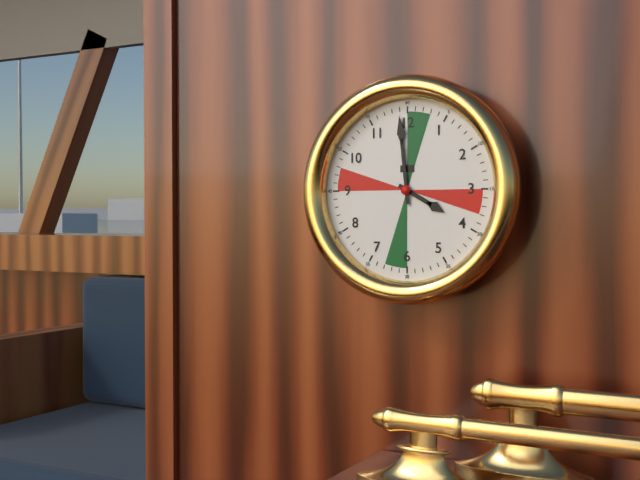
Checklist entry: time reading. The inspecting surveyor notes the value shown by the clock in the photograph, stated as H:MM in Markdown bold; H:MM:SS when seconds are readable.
**3:59**
